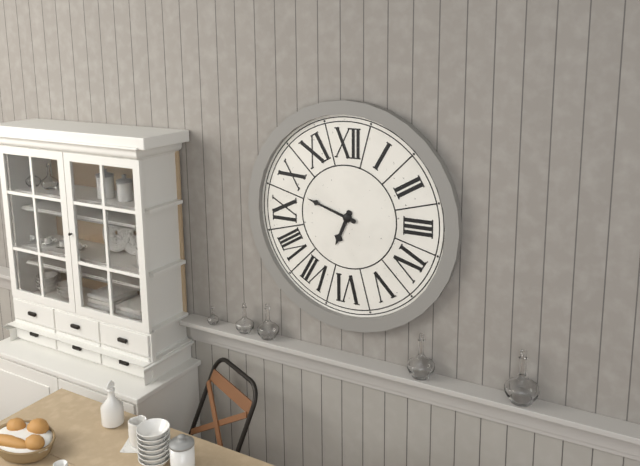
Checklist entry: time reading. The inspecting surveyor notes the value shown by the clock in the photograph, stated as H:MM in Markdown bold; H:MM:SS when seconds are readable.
**6:48**
